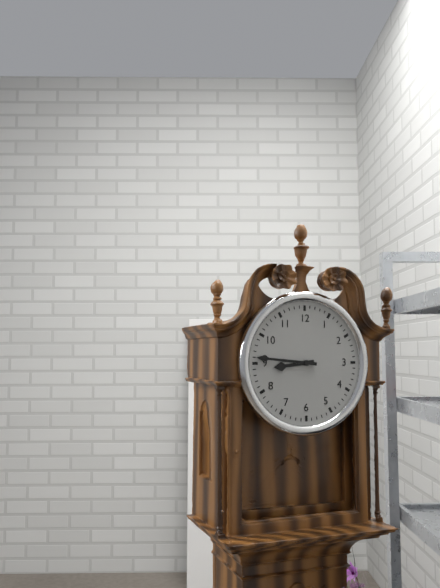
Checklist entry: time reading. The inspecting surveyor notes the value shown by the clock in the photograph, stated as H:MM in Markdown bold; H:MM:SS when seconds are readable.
**8:46**
